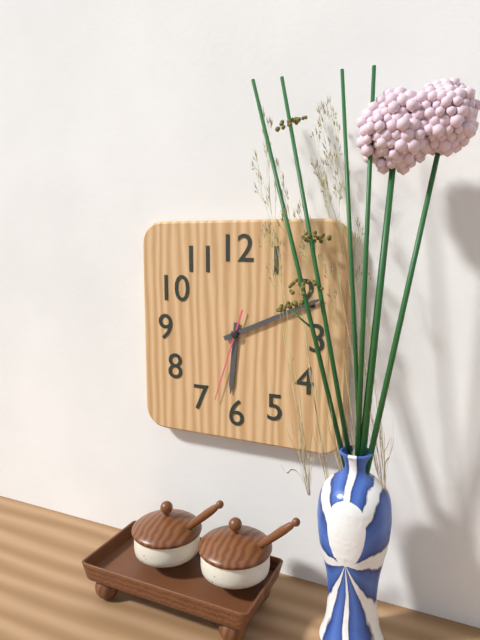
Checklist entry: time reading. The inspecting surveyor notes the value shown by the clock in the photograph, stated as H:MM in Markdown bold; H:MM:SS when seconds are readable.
**6:11:33**
